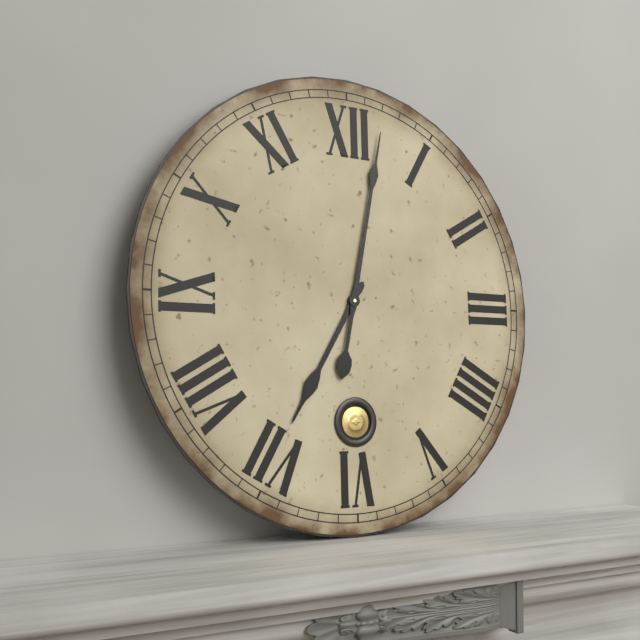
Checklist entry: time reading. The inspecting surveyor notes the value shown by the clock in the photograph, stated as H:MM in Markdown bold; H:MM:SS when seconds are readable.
**7:02**
